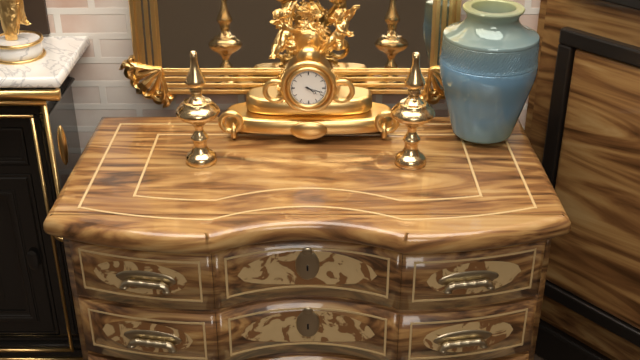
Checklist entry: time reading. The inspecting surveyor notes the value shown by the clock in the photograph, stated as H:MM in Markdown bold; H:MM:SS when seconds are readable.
**4:18**
